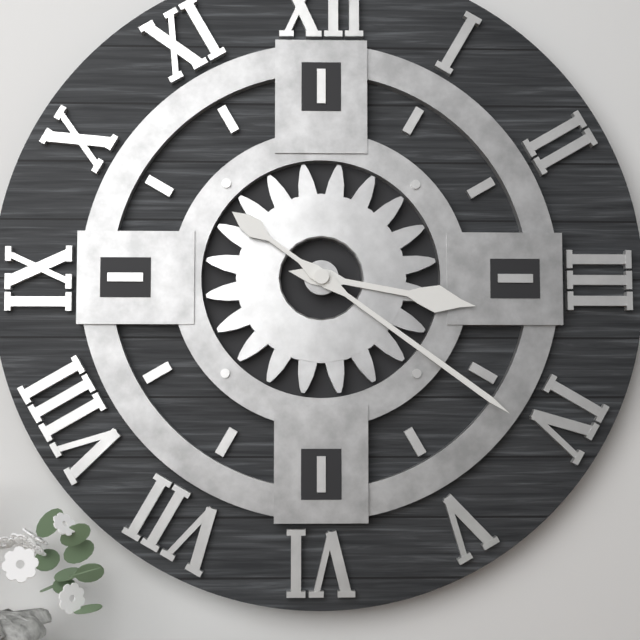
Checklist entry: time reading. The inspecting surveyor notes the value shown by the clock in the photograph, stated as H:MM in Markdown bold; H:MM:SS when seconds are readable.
**3:21**
